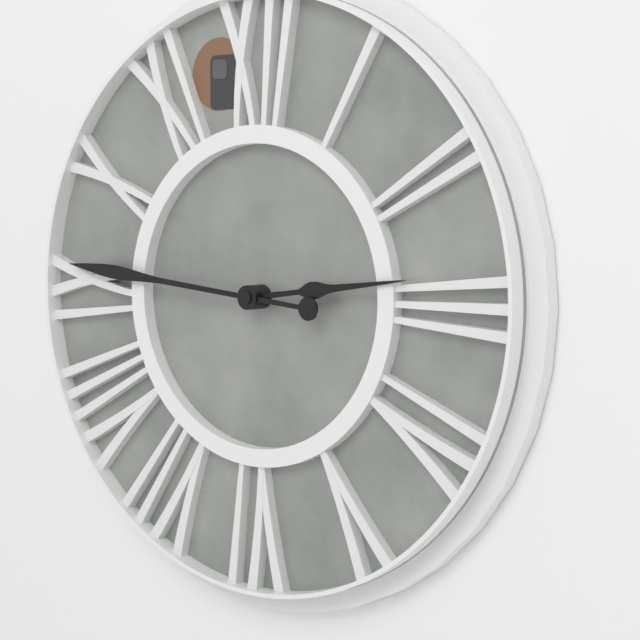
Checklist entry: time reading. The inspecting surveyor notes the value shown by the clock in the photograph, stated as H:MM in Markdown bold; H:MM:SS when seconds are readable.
**2:46**
